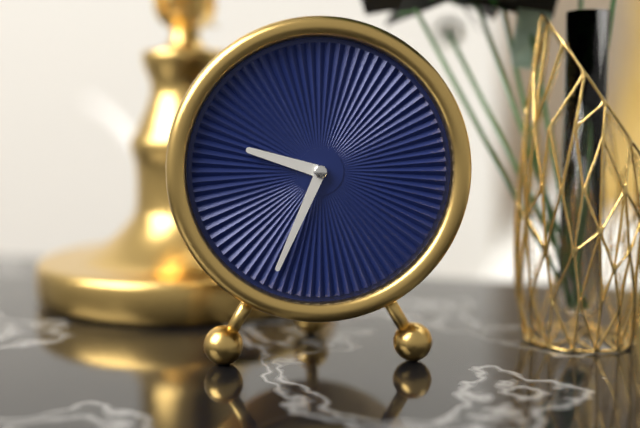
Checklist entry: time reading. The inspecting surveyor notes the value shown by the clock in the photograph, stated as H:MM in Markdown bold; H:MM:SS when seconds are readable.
**9:34**
